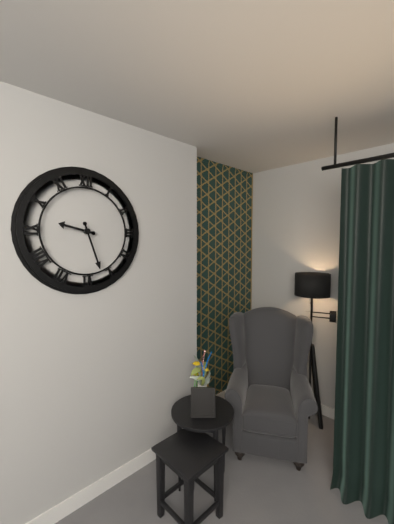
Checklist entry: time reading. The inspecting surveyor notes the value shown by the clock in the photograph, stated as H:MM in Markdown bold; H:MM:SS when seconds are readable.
**9:27**
